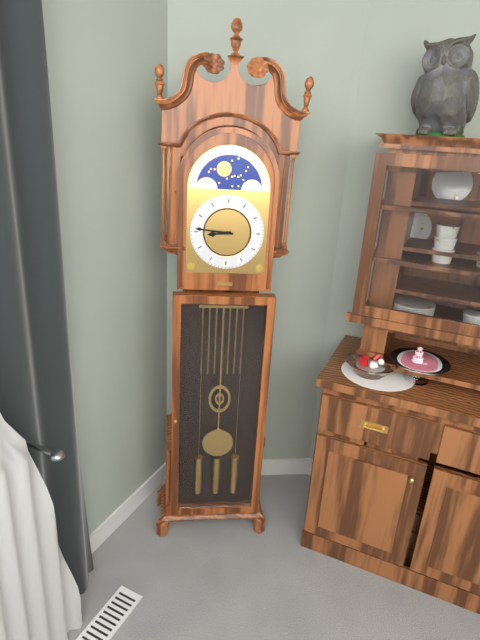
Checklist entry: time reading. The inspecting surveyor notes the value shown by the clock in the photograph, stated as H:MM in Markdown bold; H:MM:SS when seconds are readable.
**8:46**
